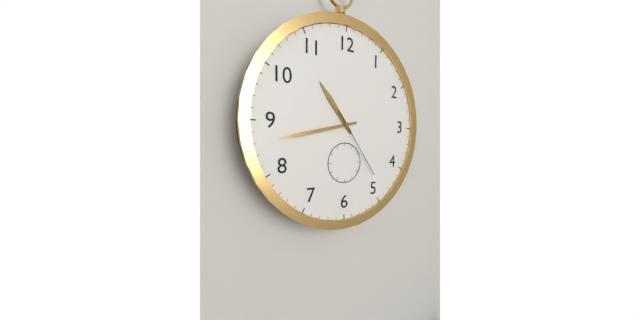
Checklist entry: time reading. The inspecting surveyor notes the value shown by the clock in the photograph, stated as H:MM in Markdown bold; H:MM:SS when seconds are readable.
**10:43:24**
